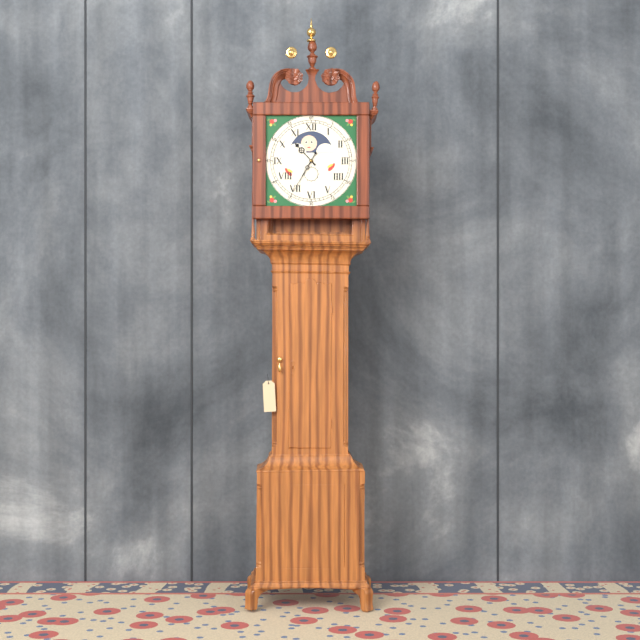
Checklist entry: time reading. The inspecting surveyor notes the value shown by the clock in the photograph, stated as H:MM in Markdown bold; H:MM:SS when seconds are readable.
**10:35**
